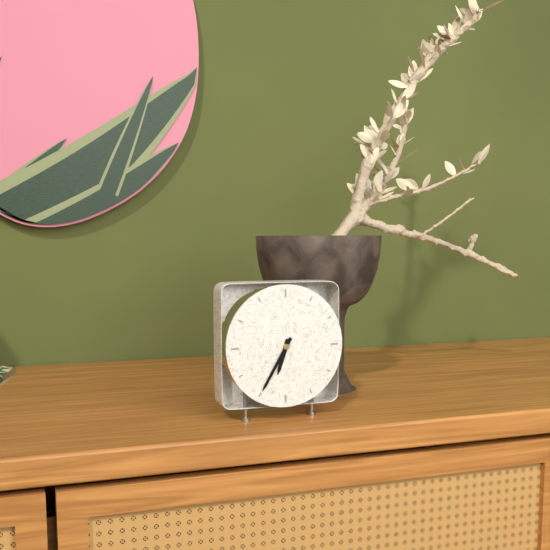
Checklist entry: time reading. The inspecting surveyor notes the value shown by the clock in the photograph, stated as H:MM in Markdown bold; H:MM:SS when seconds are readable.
**6:35**
